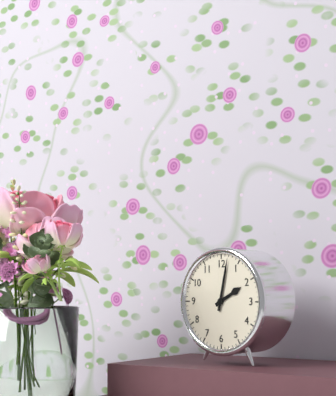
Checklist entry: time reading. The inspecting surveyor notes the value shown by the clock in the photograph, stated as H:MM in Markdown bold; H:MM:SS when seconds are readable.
**2:02**
